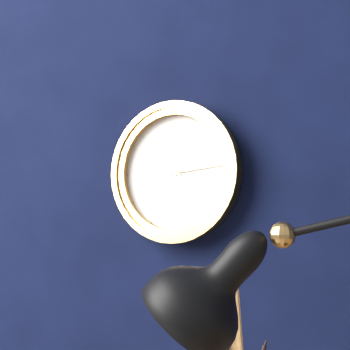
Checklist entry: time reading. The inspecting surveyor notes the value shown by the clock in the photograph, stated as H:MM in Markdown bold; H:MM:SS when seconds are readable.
**10:14**
